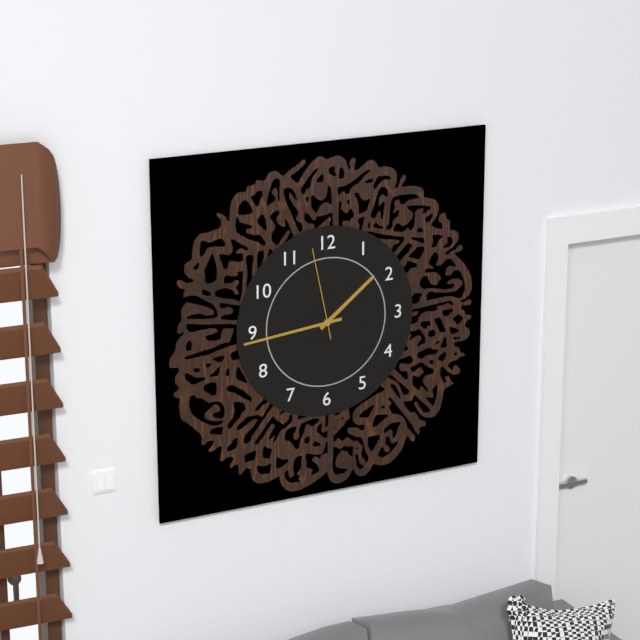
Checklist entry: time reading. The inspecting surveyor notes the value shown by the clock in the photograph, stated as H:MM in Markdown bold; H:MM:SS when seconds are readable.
**1:44:58**
